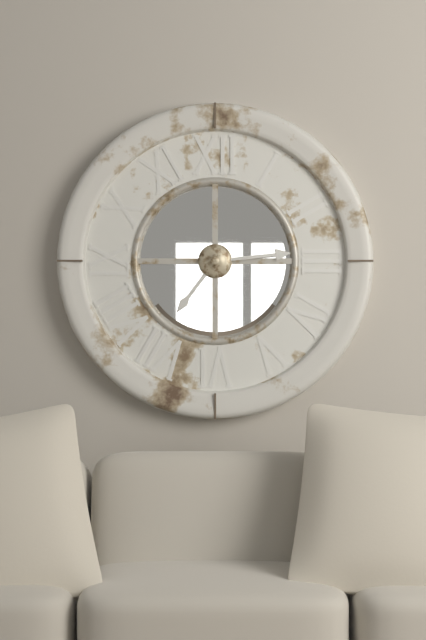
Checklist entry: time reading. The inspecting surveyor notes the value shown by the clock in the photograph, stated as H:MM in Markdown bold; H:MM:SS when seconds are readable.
**7:14**
